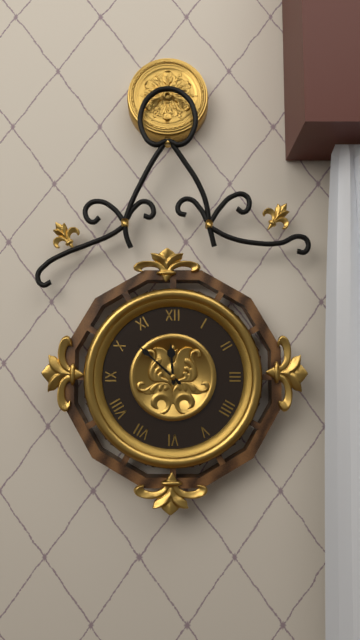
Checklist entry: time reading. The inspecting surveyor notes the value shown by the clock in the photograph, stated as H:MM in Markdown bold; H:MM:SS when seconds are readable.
**11:52**
